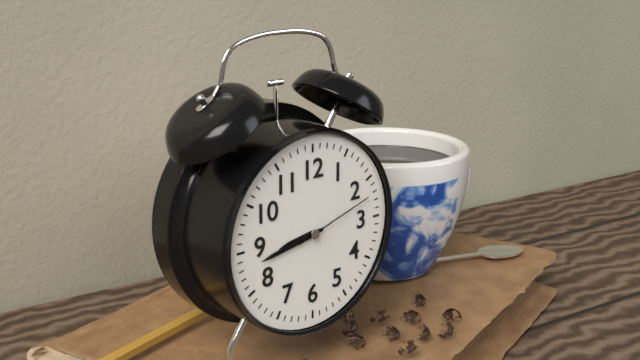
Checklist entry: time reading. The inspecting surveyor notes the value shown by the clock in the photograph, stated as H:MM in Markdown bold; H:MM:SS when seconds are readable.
**8:43:12**
